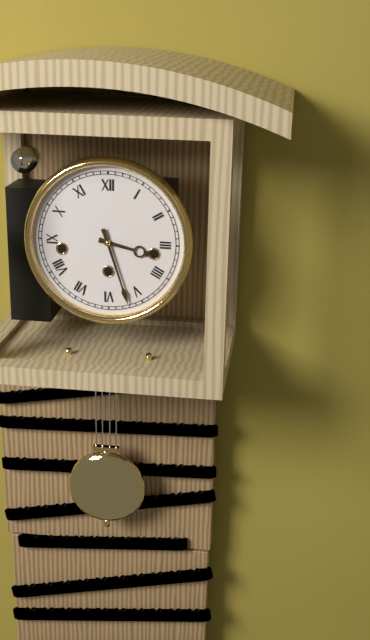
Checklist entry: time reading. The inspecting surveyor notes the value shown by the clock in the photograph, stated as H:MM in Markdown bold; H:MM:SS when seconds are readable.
**3:27**
